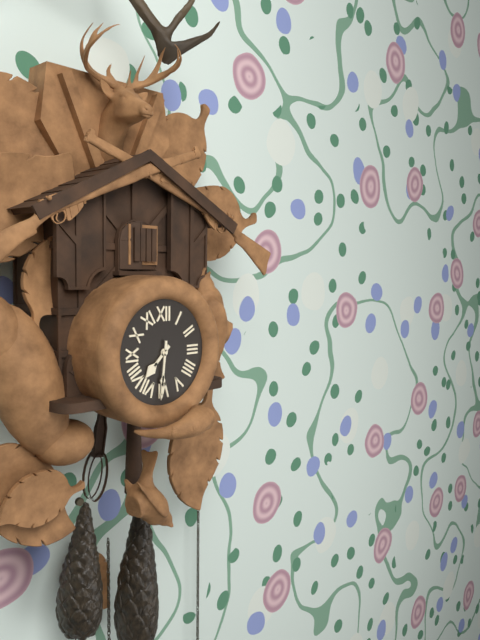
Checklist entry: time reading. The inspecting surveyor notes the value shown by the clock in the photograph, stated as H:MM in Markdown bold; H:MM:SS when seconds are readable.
**7:31**
